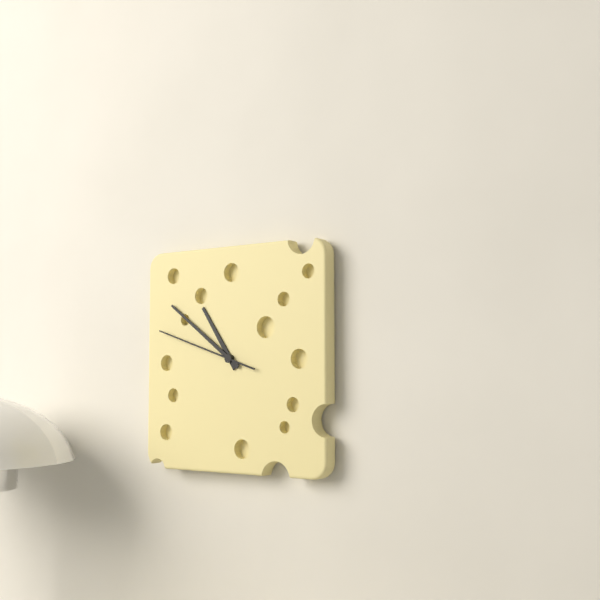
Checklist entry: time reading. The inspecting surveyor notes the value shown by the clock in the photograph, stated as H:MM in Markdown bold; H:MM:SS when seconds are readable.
**10:51:48**
